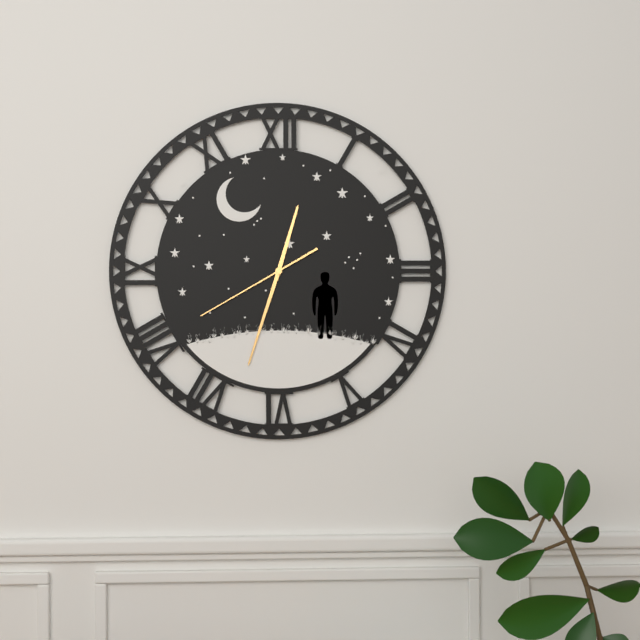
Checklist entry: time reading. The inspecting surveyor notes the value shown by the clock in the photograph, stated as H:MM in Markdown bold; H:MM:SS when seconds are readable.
**12:33:40**
